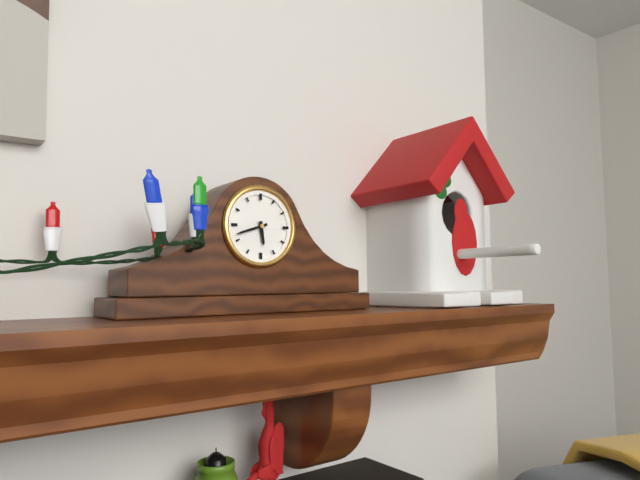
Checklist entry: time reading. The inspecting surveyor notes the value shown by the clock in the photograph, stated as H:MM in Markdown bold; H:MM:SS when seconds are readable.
**5:42**
